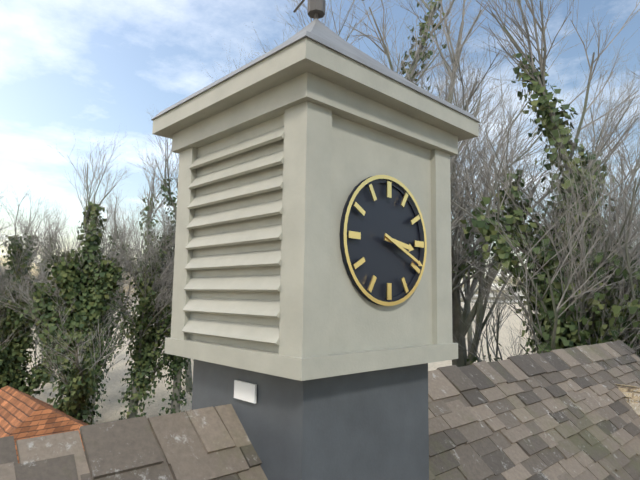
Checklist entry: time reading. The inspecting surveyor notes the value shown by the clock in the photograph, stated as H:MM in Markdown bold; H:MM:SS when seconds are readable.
**3:19**
